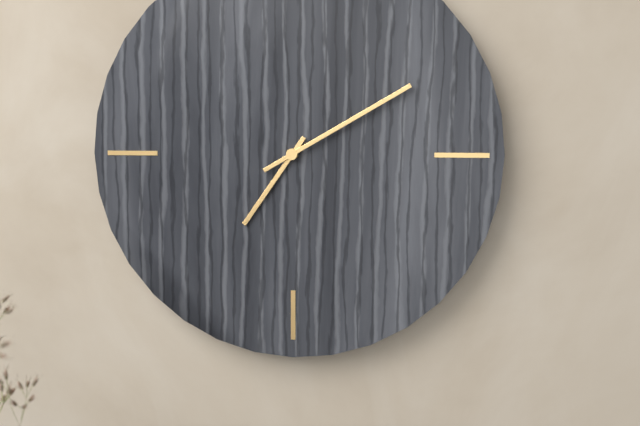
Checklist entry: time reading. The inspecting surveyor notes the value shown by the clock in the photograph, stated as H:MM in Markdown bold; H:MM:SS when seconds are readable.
**7:10**
